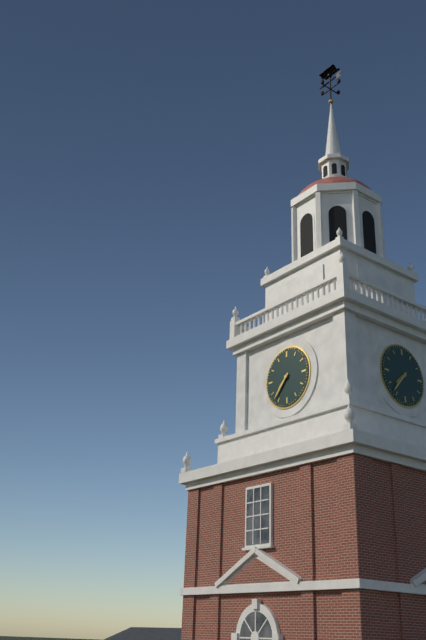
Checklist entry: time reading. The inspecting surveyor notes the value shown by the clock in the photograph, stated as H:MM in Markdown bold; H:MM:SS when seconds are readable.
**7:37**
